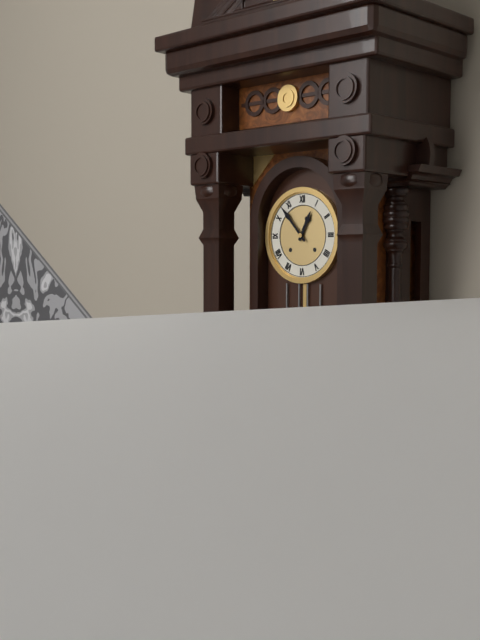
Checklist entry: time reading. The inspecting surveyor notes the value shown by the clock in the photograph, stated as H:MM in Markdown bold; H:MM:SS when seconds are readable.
**12:53**
